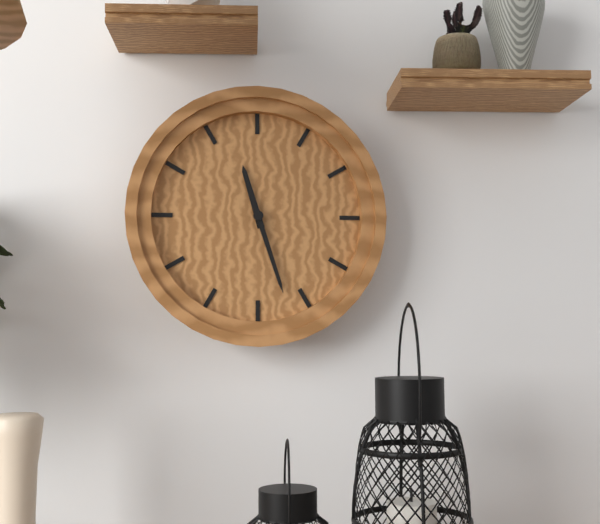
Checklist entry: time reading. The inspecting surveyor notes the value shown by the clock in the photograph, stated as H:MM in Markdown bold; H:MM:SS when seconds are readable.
**11:27**
